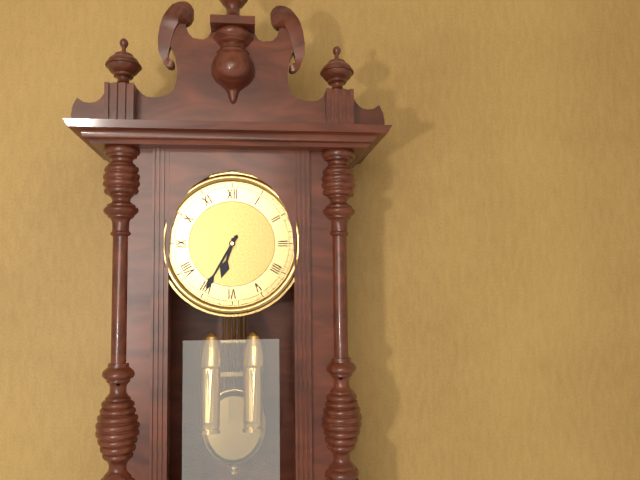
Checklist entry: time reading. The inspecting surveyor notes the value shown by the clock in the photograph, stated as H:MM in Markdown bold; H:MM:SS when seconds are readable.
**6:35**
